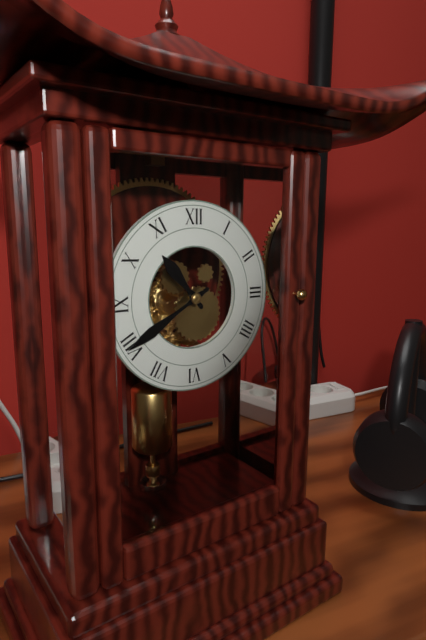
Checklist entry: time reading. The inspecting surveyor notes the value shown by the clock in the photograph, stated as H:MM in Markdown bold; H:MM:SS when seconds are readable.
**10:40**
